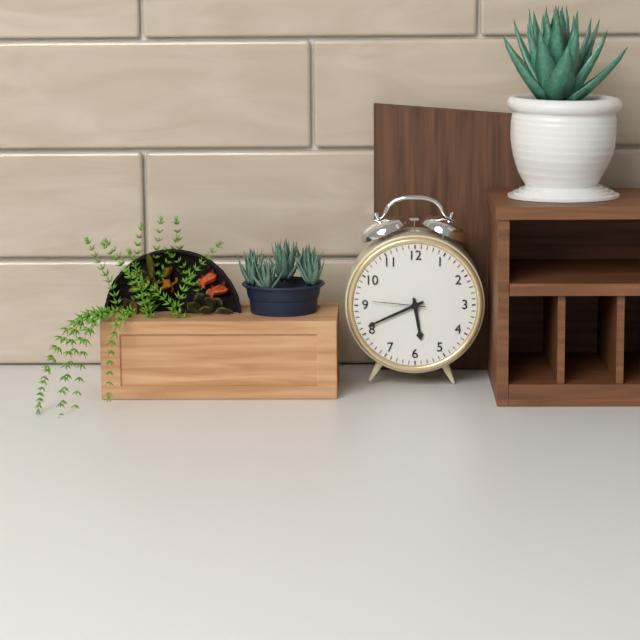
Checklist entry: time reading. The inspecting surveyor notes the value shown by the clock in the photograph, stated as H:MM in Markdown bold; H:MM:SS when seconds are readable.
**5:41:46**
